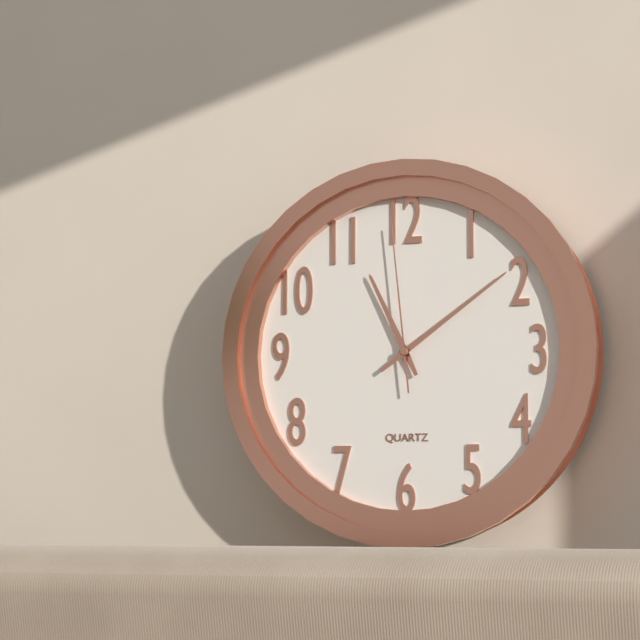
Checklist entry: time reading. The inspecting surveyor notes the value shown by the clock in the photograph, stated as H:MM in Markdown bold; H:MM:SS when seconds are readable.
**11:09:59**
